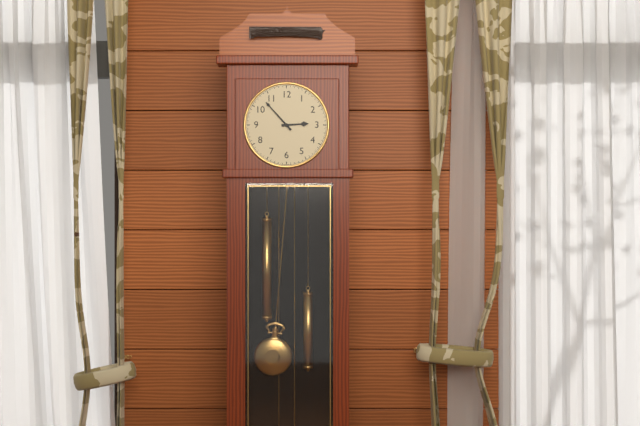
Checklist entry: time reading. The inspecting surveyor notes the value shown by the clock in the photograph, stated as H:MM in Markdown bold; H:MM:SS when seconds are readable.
**2:53**
